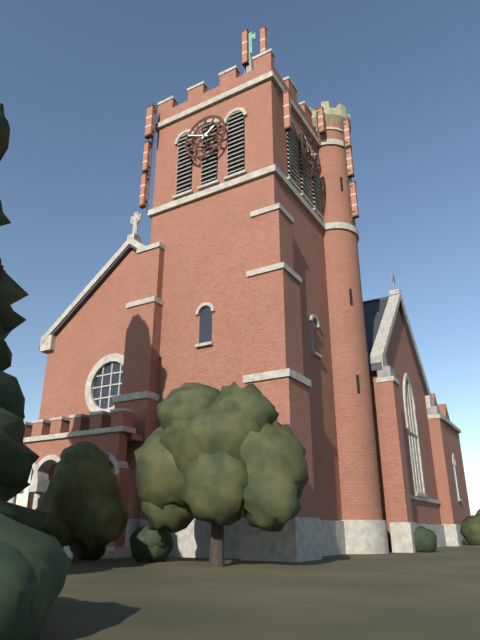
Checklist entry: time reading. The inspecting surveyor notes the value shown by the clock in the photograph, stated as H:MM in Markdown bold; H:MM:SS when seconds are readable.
**1:49**
